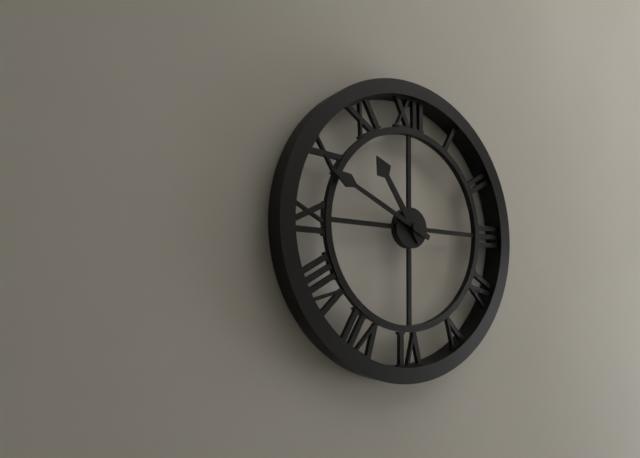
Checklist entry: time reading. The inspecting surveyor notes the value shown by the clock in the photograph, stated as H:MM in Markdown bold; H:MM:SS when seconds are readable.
**10:49**
